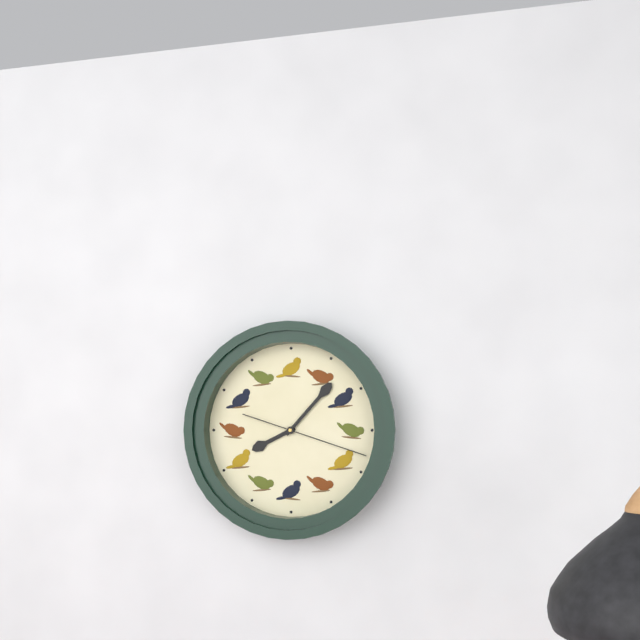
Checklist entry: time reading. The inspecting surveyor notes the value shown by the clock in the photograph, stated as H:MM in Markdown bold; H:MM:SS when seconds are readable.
**8:07:18**
